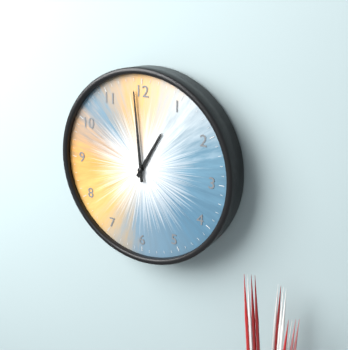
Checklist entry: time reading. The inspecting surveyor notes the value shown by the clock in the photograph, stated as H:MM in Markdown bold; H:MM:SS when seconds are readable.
**12:59**
